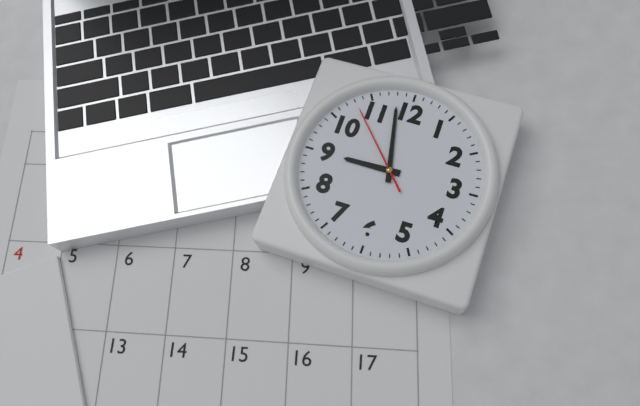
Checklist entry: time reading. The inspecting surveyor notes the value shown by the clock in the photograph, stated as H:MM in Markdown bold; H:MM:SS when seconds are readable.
**8:58:53**
